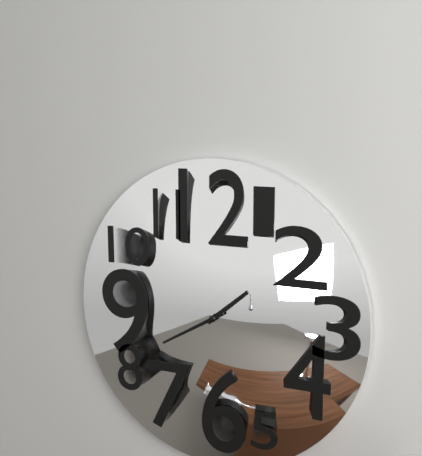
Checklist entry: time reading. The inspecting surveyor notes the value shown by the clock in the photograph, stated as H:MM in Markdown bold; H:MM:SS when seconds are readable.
**1:40**
